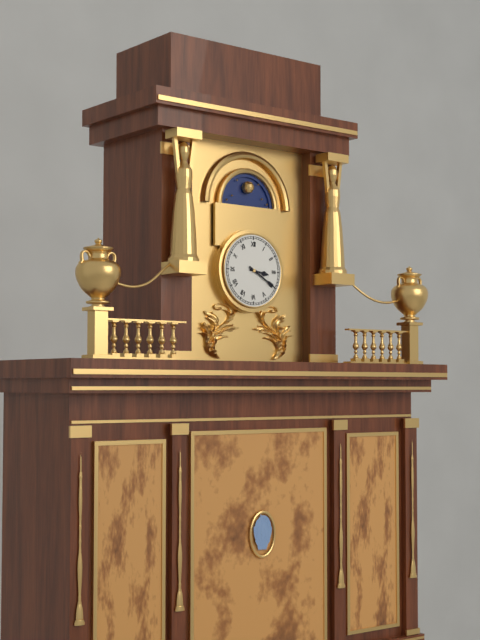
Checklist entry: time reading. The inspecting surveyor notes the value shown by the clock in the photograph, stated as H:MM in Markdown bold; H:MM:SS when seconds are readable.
**3:20**
